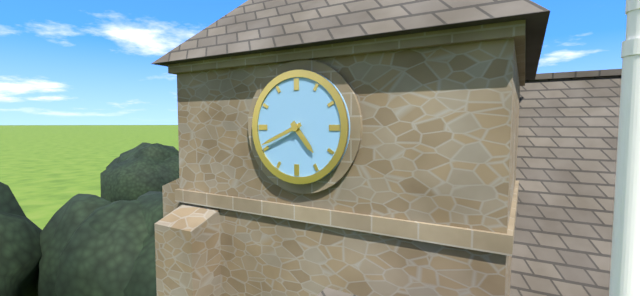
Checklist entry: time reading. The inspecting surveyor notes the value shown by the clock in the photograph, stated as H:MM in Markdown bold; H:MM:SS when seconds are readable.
**4:41**
